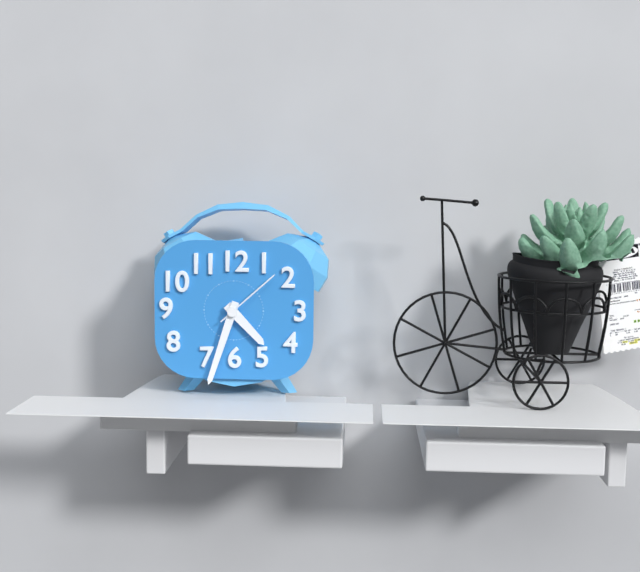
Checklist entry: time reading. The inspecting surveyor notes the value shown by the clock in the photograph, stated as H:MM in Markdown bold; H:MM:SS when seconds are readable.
**4:33:08**
